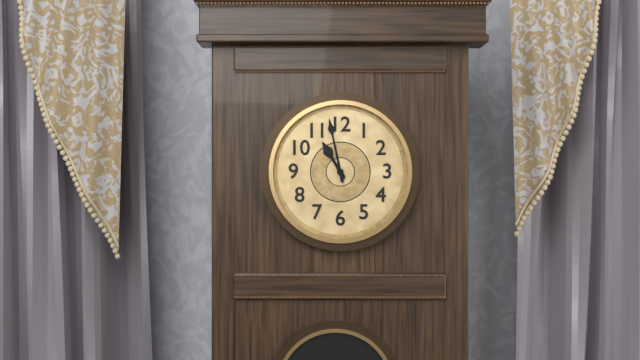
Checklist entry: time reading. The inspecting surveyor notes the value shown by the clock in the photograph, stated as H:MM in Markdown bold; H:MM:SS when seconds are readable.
**10:58**
